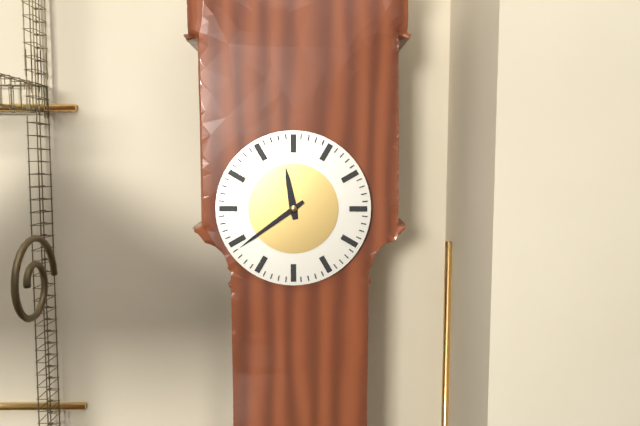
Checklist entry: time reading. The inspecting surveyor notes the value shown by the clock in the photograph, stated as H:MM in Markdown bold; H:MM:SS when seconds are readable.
**11:39**
